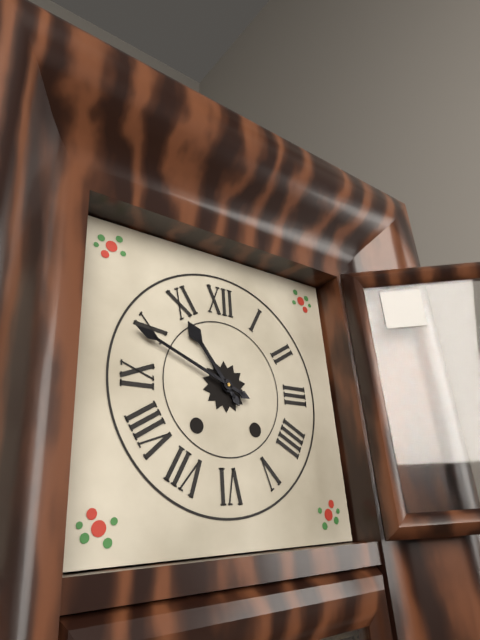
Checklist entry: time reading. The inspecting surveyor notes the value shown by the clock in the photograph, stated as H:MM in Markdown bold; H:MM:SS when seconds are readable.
**10:49**
